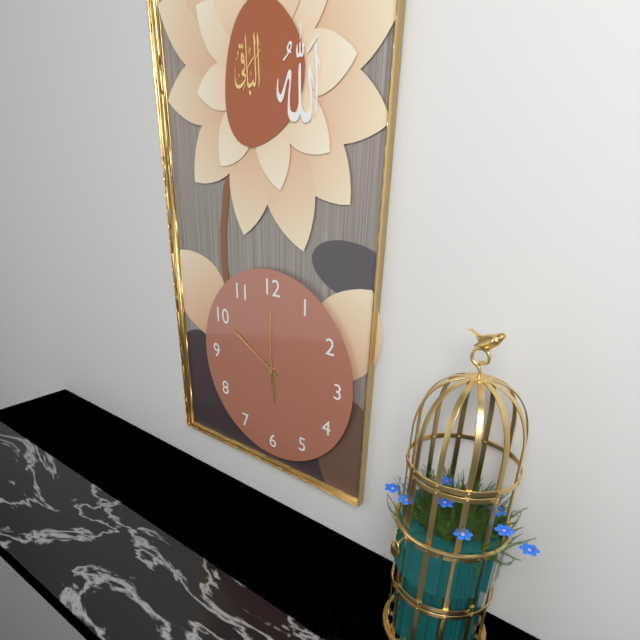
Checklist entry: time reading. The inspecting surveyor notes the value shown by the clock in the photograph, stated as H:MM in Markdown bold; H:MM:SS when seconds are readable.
**5:50:00**
